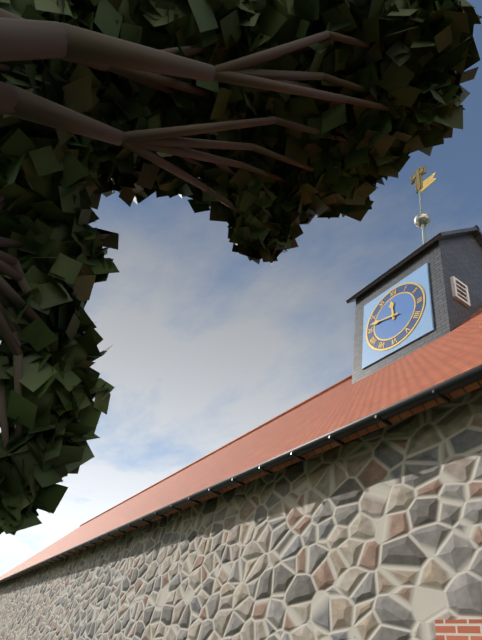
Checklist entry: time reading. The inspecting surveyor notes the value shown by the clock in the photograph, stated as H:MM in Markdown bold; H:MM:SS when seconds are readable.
**11:47**
